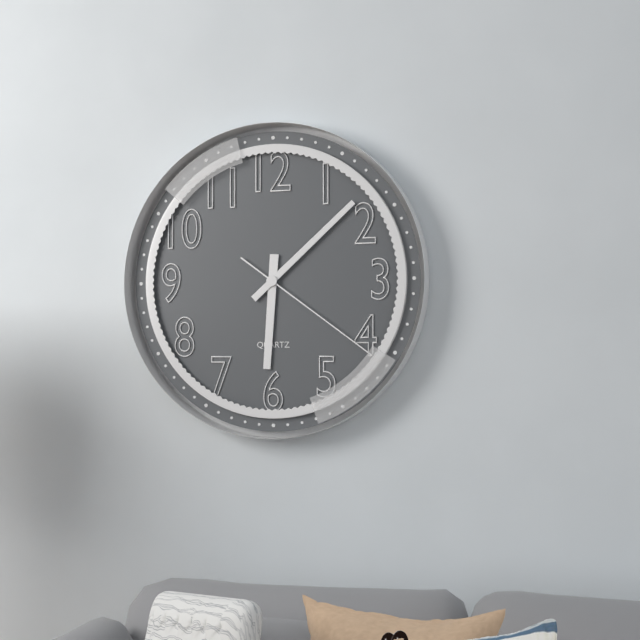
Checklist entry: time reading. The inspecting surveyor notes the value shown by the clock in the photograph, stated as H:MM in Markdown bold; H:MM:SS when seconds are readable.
**6:08:21**
